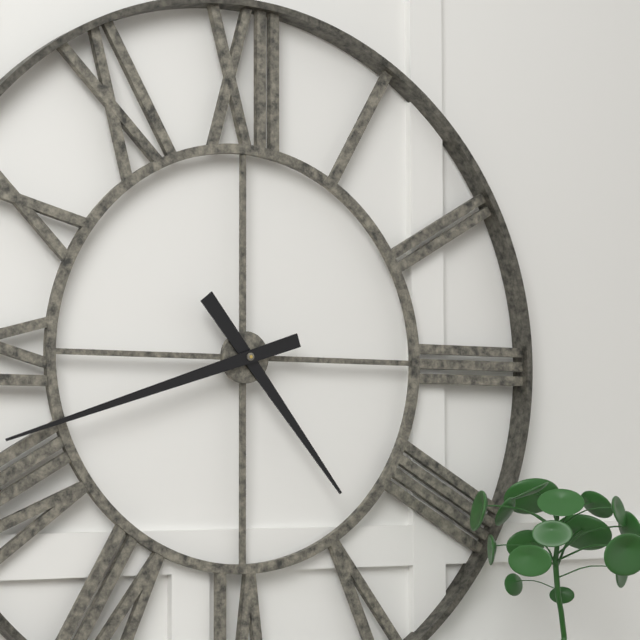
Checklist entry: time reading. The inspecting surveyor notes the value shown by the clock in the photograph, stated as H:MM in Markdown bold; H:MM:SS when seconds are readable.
**4:42**
